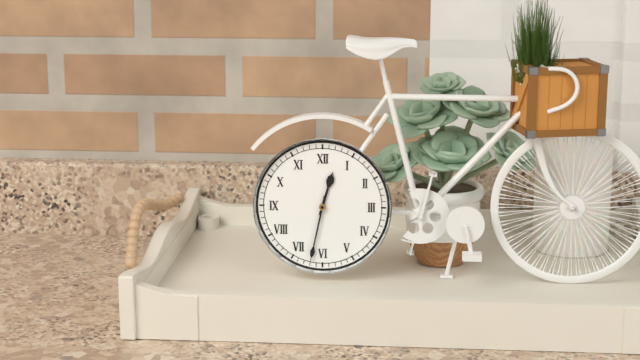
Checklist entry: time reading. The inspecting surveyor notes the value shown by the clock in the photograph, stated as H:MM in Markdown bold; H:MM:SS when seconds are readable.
**12:32**
